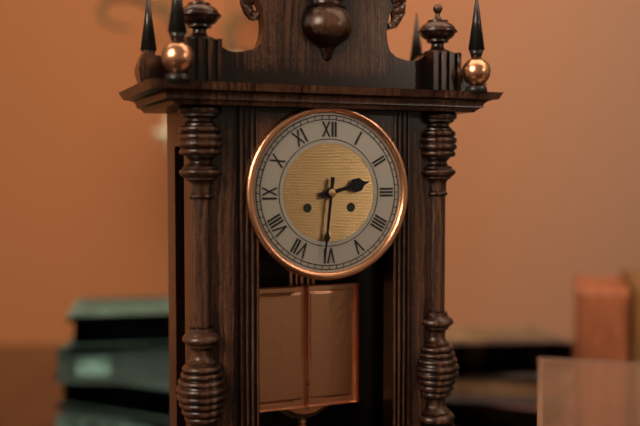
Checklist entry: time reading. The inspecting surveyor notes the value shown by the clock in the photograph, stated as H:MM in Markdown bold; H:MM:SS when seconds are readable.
**2:31**
